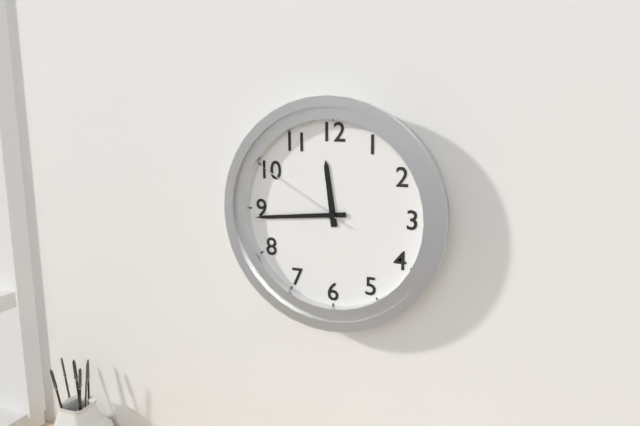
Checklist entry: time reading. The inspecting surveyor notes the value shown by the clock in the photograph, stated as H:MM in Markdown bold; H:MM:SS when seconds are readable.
**11:44:50**
